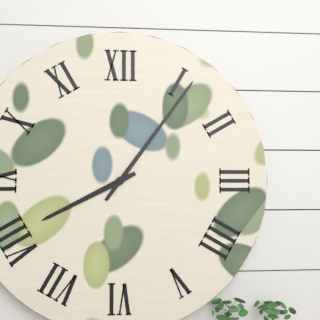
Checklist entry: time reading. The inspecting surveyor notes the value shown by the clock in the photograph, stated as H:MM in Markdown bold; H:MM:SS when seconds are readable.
**8:06**
